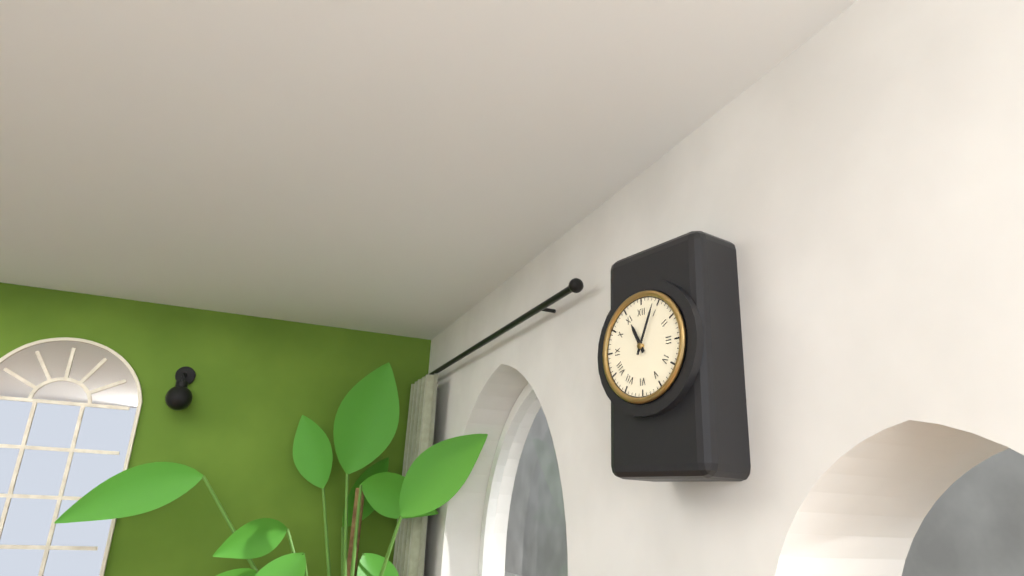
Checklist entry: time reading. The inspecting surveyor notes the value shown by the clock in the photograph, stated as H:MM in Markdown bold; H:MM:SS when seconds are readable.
**11:04**
